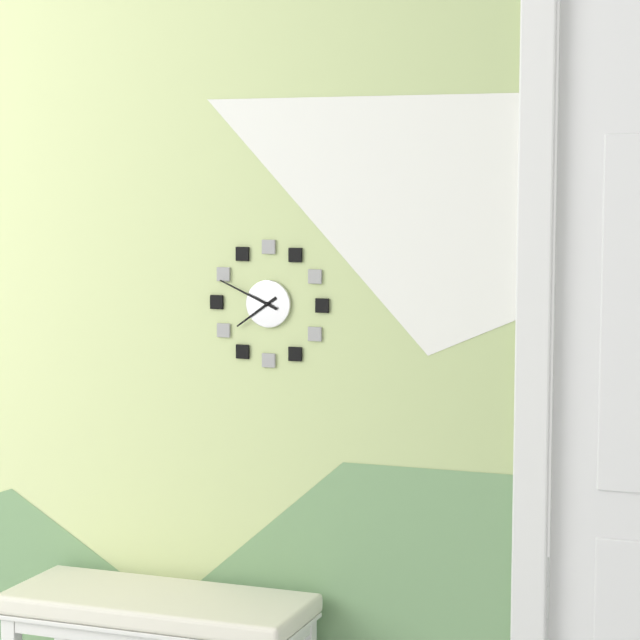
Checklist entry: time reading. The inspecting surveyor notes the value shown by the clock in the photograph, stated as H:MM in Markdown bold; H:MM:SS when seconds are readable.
**7:49**
